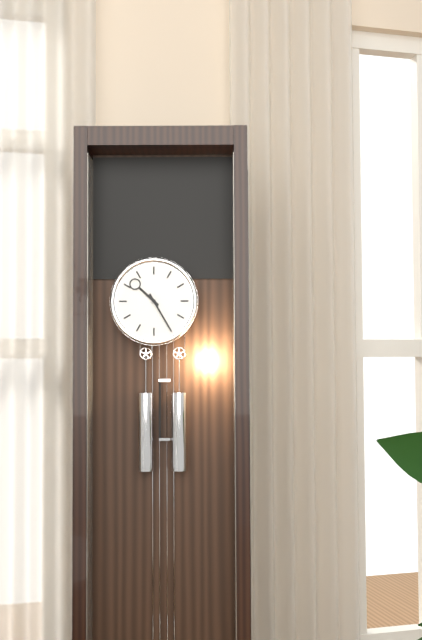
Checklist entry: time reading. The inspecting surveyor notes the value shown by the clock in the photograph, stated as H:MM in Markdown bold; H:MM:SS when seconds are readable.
**10:25**
